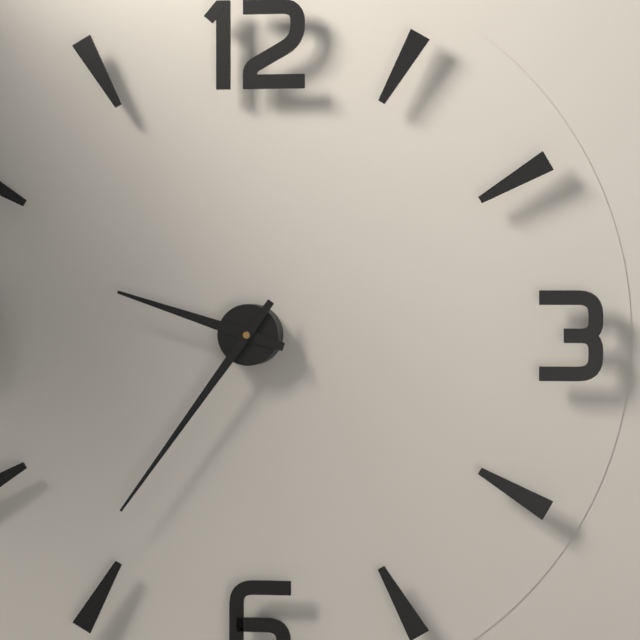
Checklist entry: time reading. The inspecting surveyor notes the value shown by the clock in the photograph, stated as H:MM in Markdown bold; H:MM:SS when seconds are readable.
**9:36**
